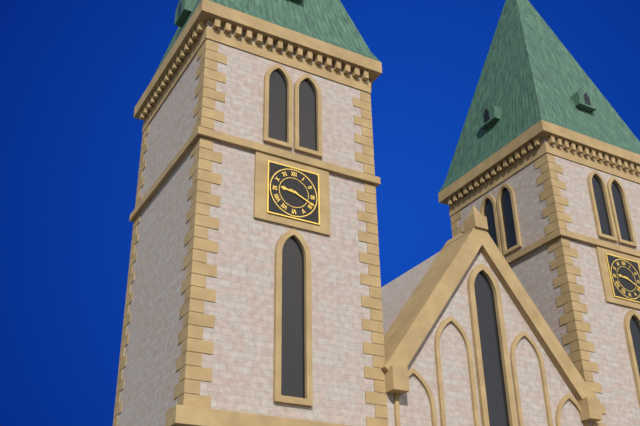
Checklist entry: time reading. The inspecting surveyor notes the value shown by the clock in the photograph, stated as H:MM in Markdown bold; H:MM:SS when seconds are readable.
**9:19**
